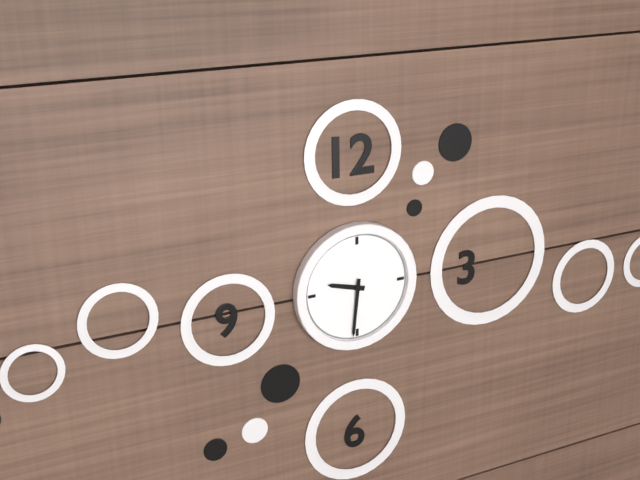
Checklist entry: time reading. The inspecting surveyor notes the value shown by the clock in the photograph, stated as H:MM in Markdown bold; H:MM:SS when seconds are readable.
**9:31**
